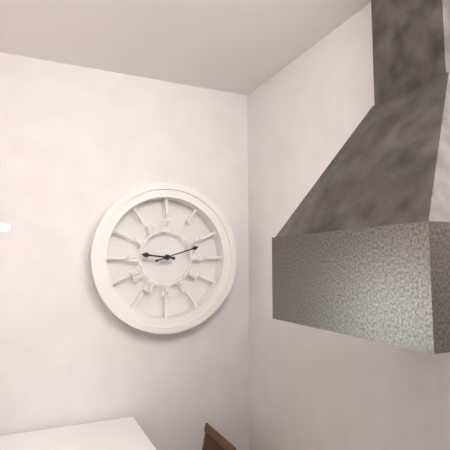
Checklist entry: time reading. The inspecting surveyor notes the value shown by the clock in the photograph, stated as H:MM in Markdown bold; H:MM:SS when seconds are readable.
**9:12**
